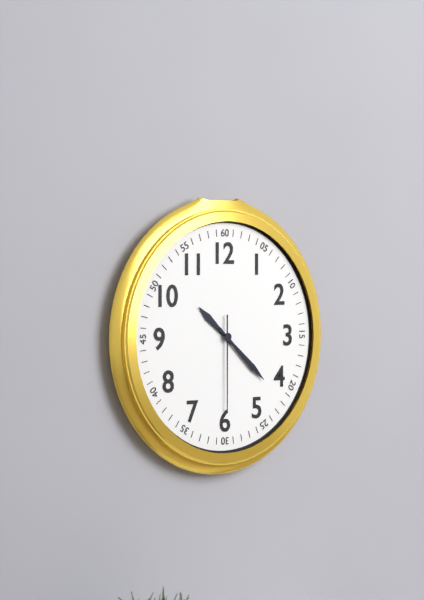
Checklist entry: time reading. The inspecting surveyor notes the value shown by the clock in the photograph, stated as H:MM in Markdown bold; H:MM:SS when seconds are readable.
**10:22:30**
